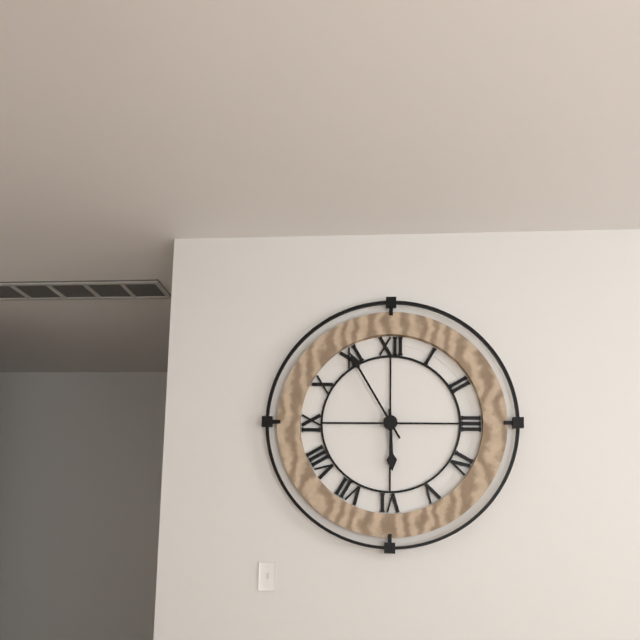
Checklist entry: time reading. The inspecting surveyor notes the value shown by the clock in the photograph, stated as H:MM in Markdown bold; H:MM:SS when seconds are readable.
**5:55**
